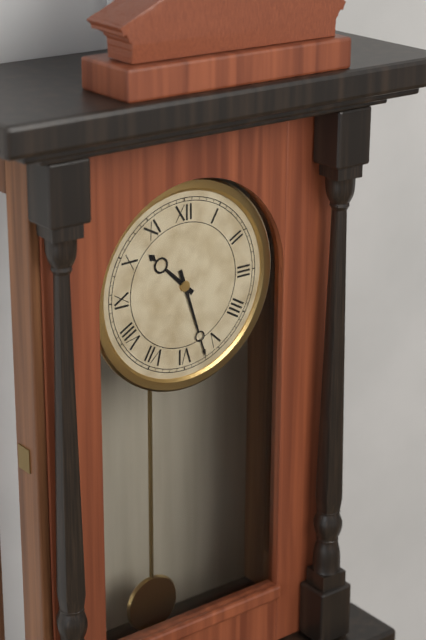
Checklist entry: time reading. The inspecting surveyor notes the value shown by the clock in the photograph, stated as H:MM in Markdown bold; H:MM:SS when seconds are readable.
**10:27**
